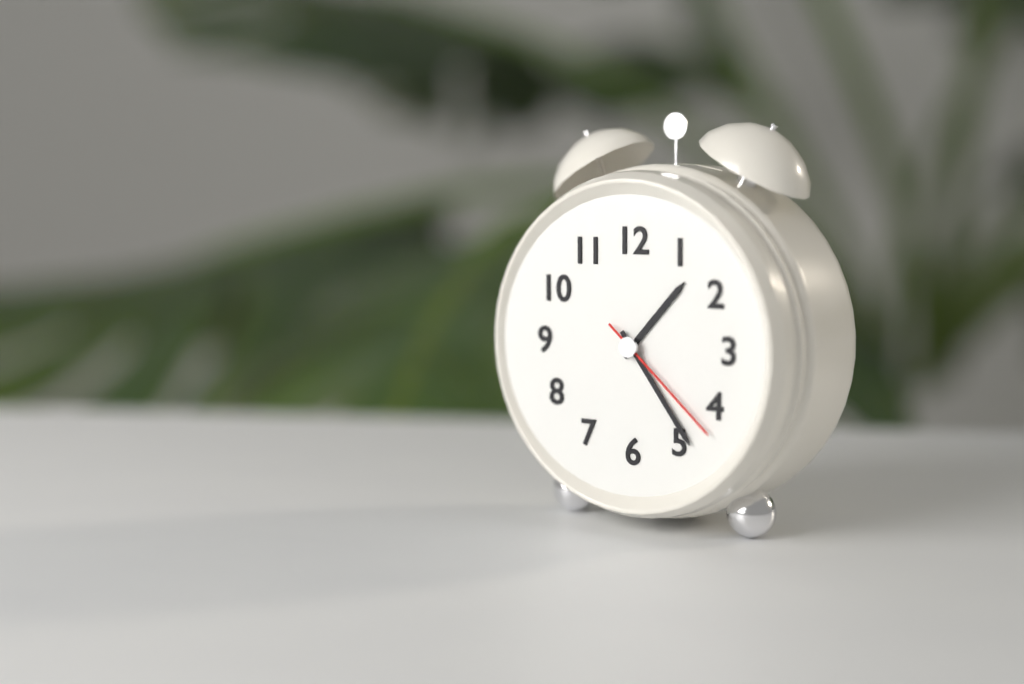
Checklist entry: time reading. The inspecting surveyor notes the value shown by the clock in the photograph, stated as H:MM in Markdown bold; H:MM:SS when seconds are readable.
**1:24:22**
